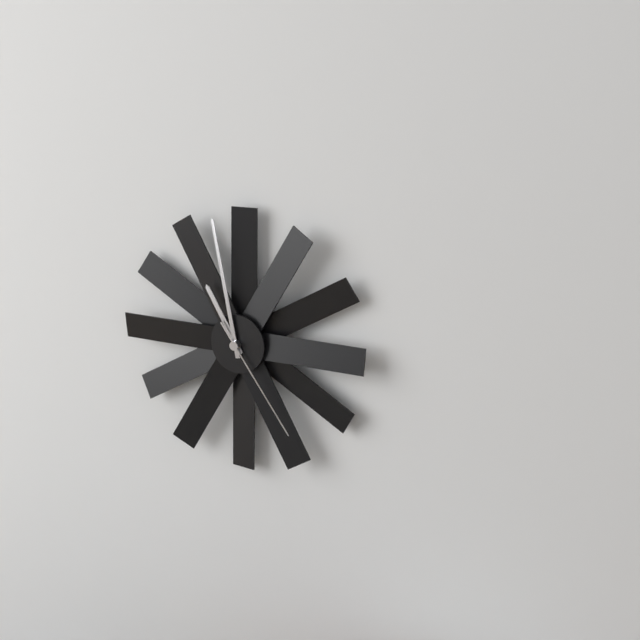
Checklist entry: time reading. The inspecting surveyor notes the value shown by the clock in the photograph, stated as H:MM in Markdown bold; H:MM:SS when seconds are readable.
**10:58:24**
